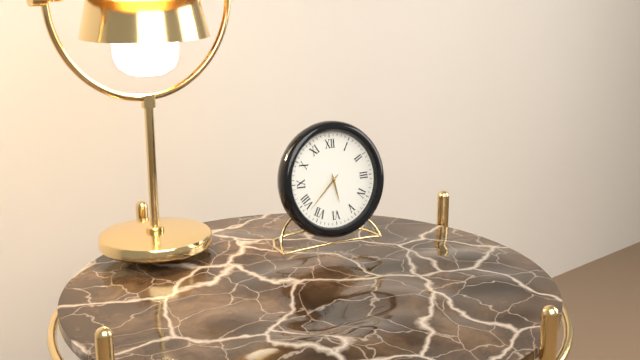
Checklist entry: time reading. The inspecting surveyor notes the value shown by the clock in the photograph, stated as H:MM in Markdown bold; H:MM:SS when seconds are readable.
**5:38**
